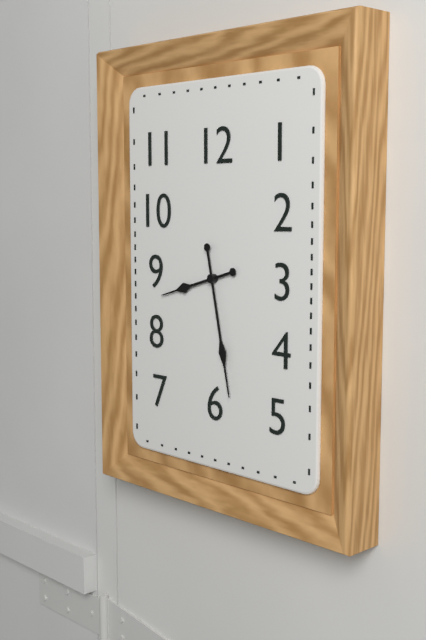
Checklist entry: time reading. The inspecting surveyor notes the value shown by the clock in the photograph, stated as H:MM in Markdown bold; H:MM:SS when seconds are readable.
**8:28**
